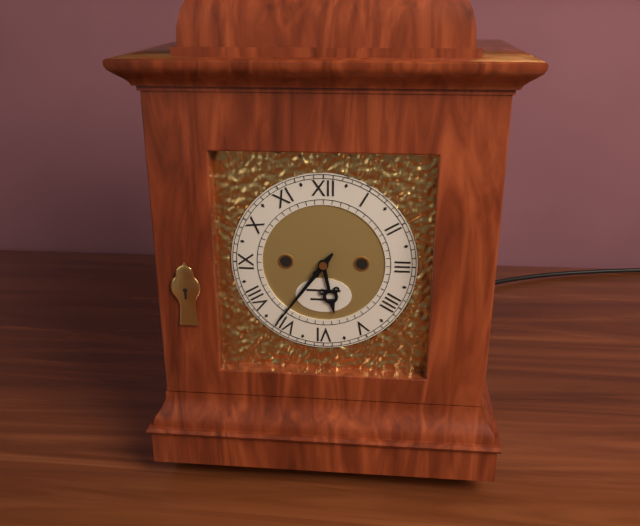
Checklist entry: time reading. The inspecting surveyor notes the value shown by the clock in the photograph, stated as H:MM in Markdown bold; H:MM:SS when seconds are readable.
**5:36**
